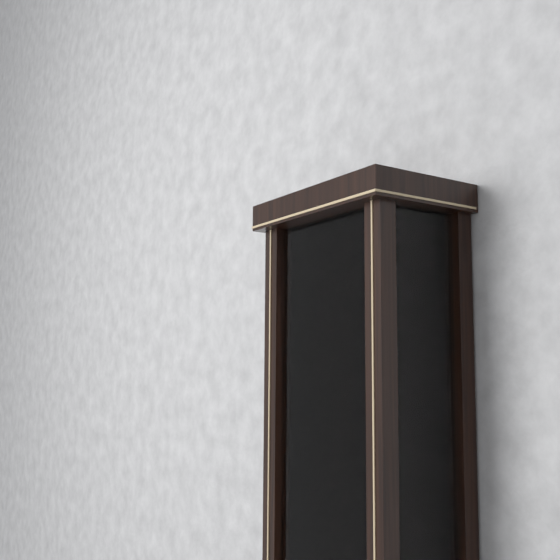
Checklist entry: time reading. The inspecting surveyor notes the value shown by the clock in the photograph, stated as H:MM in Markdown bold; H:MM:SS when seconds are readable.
**8:31**
